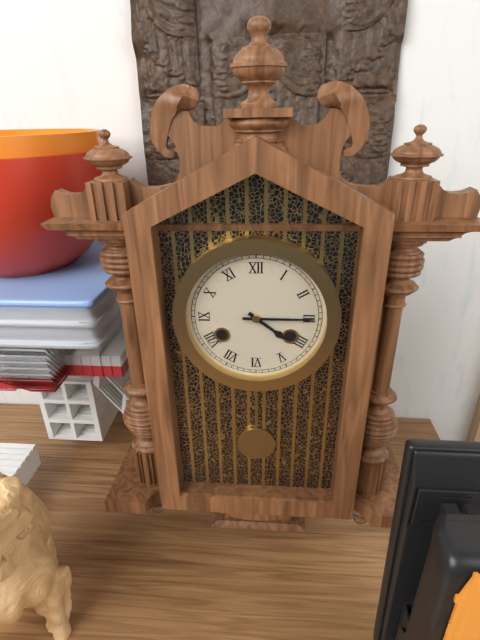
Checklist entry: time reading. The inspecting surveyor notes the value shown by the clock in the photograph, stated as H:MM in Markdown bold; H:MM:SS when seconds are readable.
**4:15**
